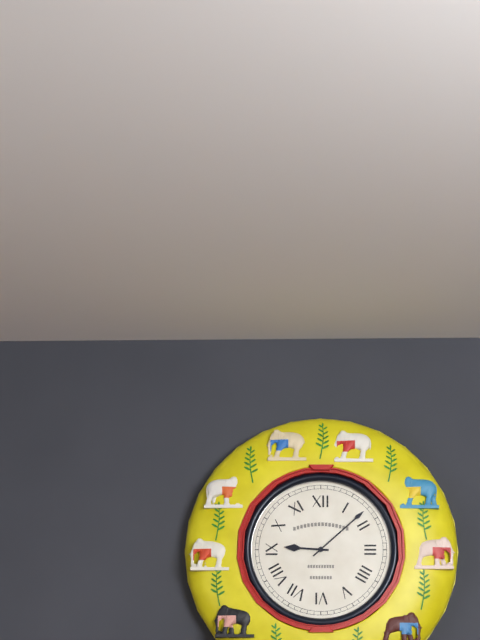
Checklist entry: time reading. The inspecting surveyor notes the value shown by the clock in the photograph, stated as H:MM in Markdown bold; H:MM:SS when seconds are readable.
**9:08**
